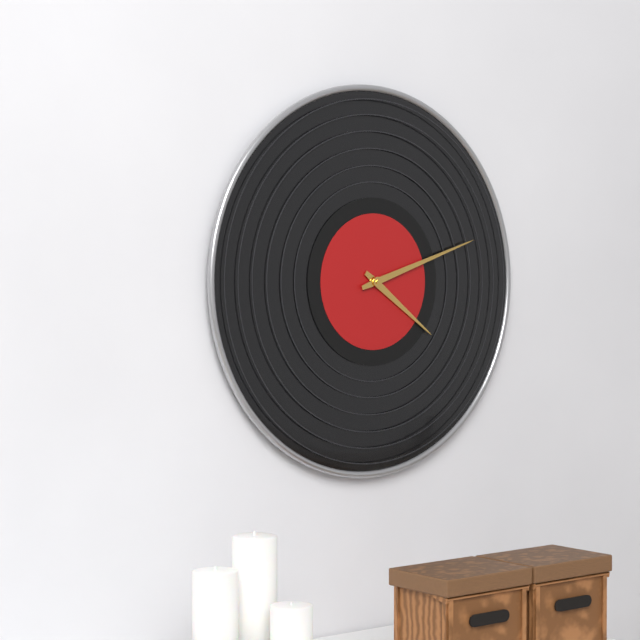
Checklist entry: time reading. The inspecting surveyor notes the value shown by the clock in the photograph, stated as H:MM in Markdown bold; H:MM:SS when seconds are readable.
**4:12**
